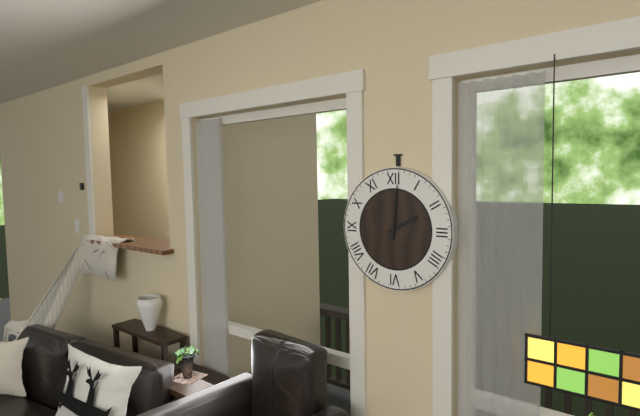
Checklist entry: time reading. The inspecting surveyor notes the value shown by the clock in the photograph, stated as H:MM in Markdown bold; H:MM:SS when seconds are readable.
**2:01**
